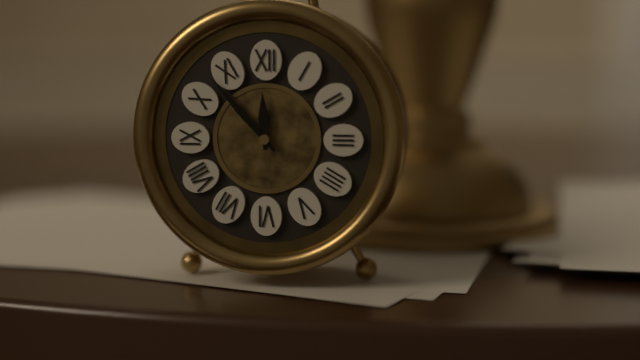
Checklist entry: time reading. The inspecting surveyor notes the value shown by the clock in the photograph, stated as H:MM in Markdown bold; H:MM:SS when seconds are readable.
**11:53**
